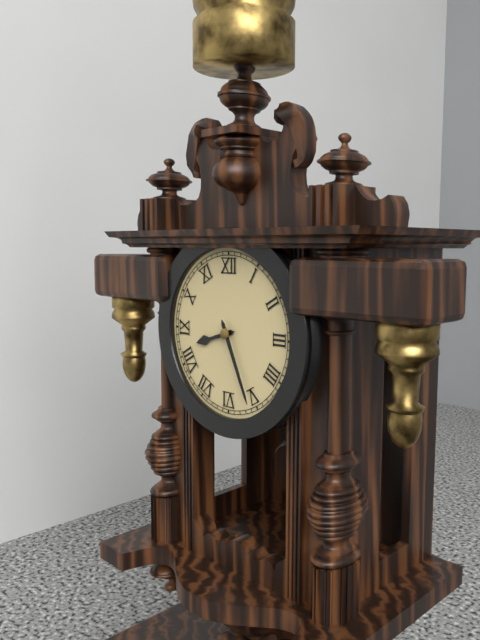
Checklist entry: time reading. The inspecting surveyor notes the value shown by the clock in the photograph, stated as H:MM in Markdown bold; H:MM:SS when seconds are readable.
**8:26**
